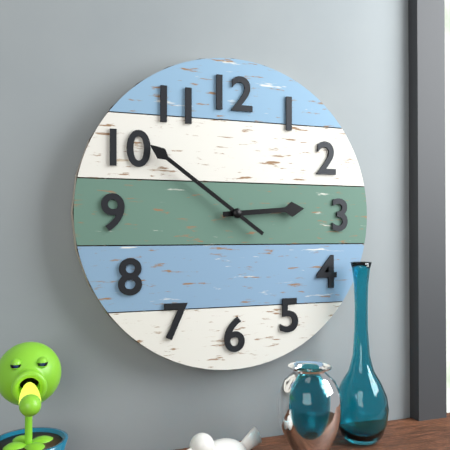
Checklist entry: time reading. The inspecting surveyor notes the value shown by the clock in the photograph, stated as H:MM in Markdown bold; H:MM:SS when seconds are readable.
**2:51**
